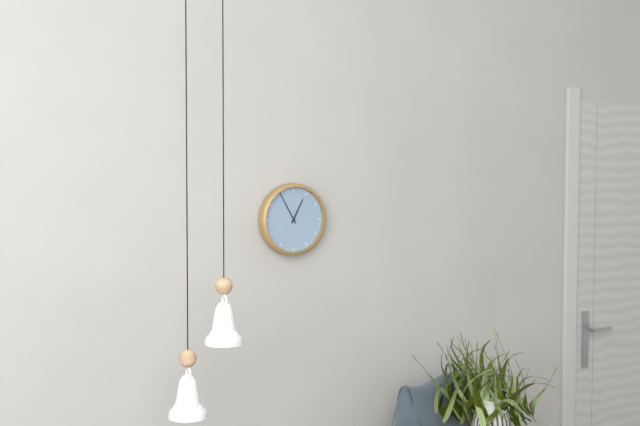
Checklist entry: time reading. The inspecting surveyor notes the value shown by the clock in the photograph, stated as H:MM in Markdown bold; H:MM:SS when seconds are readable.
**12:55**
